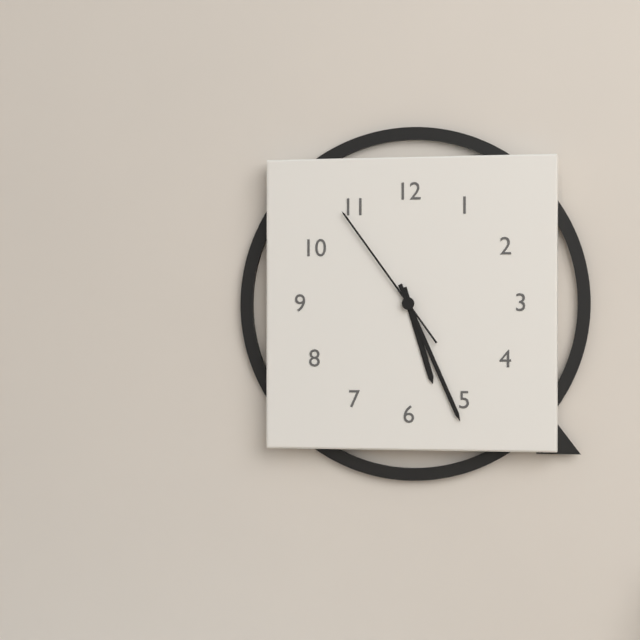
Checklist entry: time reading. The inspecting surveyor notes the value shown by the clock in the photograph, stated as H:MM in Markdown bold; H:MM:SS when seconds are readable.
**5:26:54**
